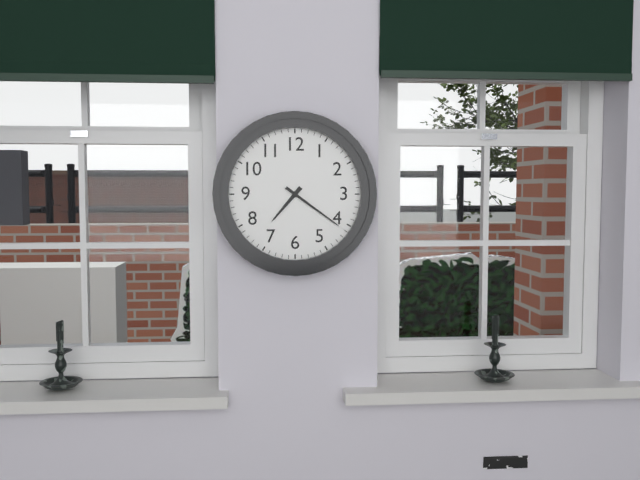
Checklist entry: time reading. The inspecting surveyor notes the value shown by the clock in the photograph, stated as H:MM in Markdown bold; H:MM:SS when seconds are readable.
**7:21**
